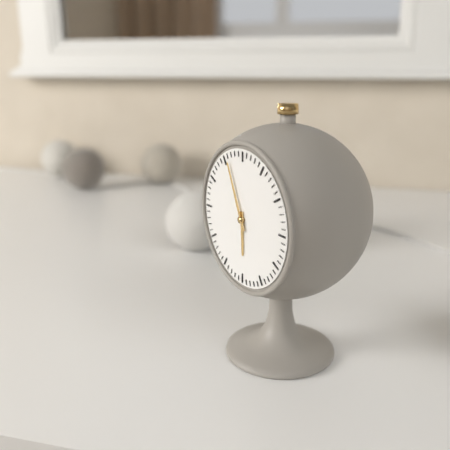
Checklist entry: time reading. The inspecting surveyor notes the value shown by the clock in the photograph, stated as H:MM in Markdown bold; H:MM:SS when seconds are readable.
**5:56**
